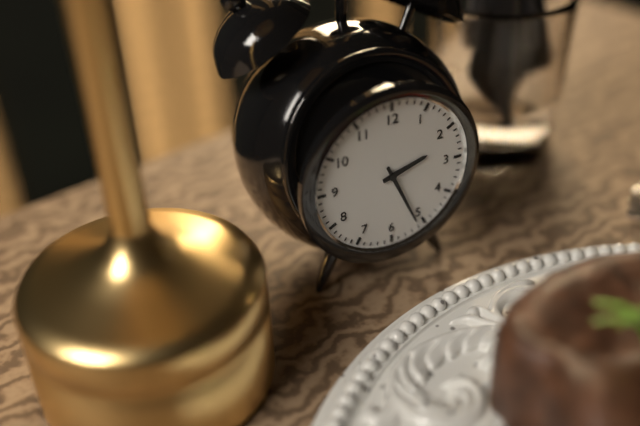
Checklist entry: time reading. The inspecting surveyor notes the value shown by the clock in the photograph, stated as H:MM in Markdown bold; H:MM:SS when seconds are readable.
**2:26**
